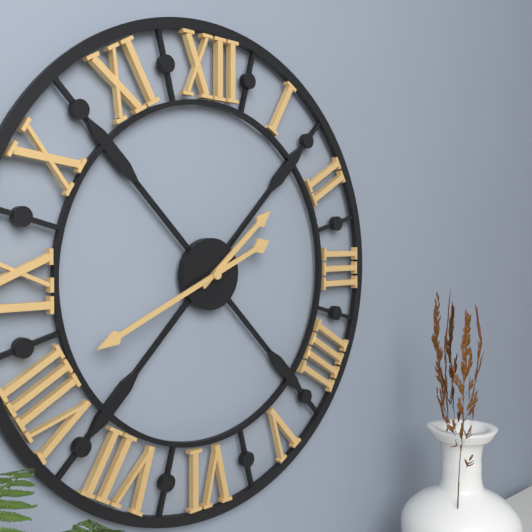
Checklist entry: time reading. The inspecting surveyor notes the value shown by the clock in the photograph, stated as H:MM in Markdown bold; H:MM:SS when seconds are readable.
**1:41**
